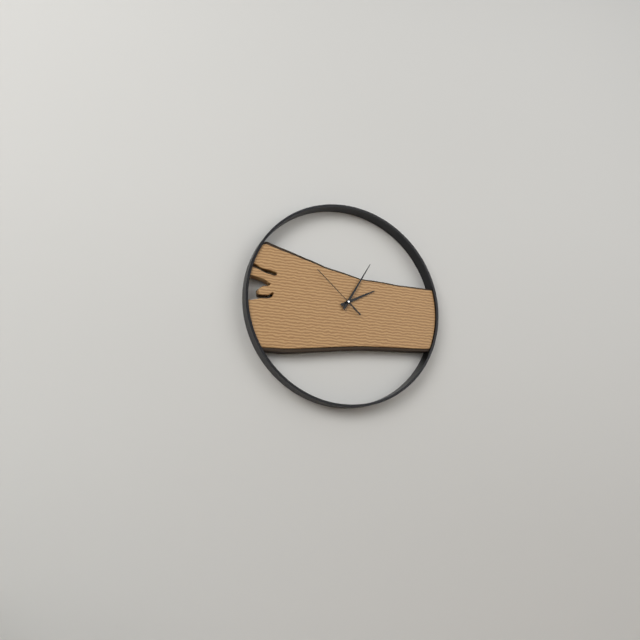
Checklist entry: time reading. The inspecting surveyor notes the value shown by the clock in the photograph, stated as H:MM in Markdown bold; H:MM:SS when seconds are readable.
**2:05:52**
